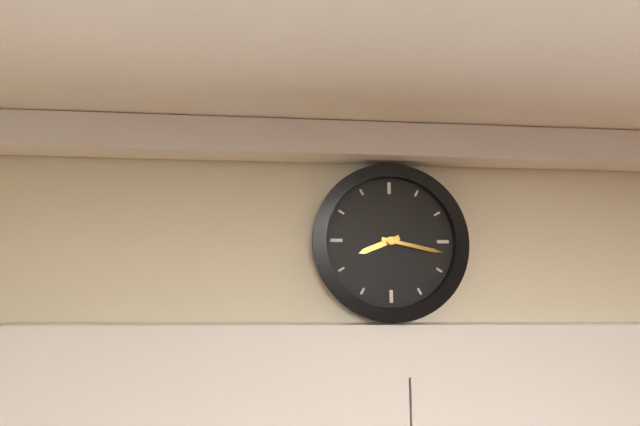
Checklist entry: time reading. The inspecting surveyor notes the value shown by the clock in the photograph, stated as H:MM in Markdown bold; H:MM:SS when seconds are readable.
**8:17**
